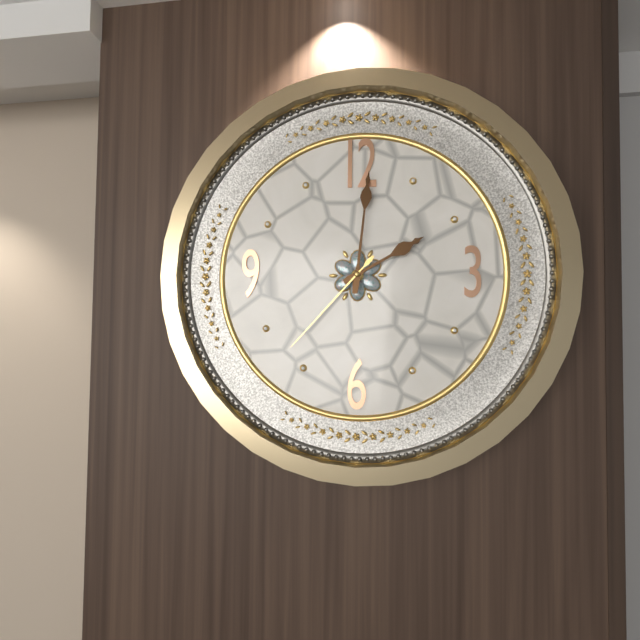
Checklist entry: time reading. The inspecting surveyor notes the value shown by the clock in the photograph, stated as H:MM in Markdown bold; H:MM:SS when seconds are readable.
**2:01:37**
